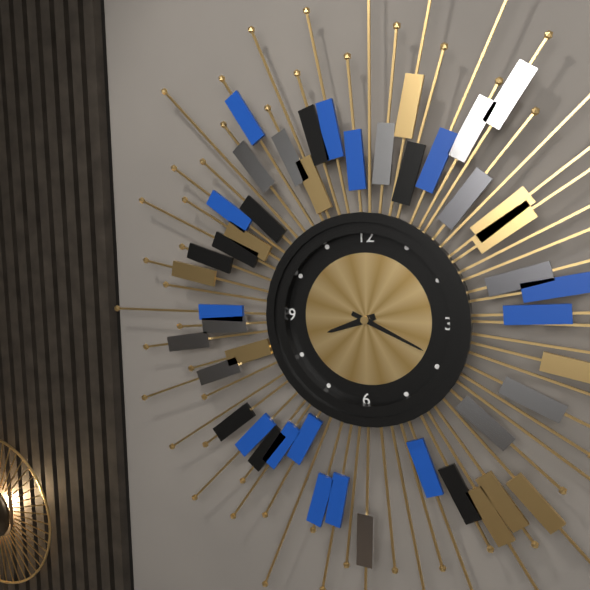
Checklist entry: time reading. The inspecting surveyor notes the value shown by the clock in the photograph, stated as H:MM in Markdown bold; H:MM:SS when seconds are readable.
**8:19**
